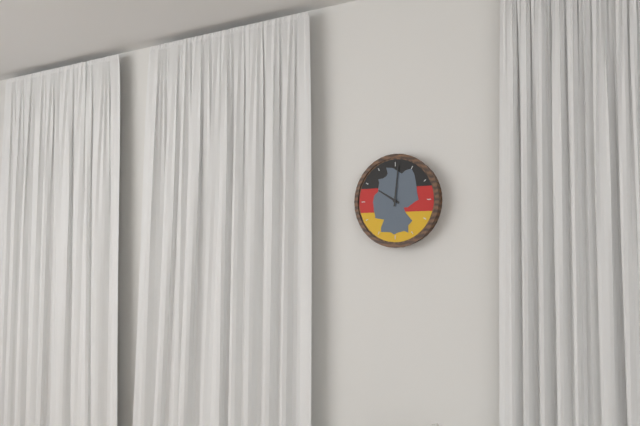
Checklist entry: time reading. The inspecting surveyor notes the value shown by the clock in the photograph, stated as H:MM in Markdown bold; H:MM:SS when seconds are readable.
**10:01**
